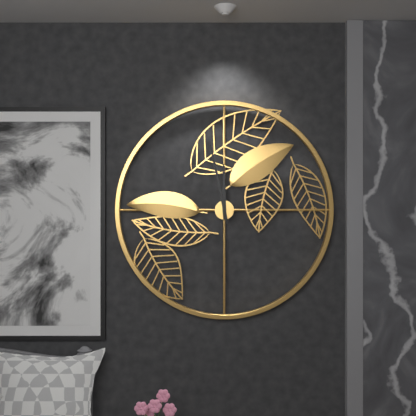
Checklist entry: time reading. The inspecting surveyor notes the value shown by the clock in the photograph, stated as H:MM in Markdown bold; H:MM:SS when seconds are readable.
**11:58**
